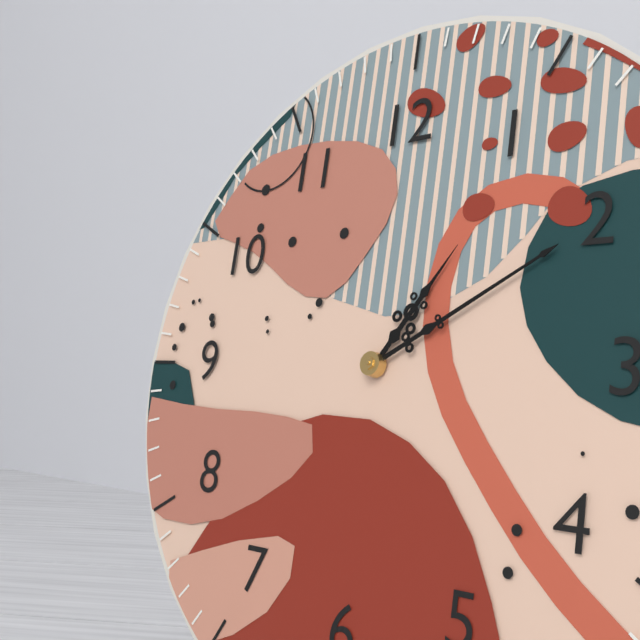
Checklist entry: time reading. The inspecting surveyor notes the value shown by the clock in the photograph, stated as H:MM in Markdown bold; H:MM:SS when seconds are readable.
**1:10**
